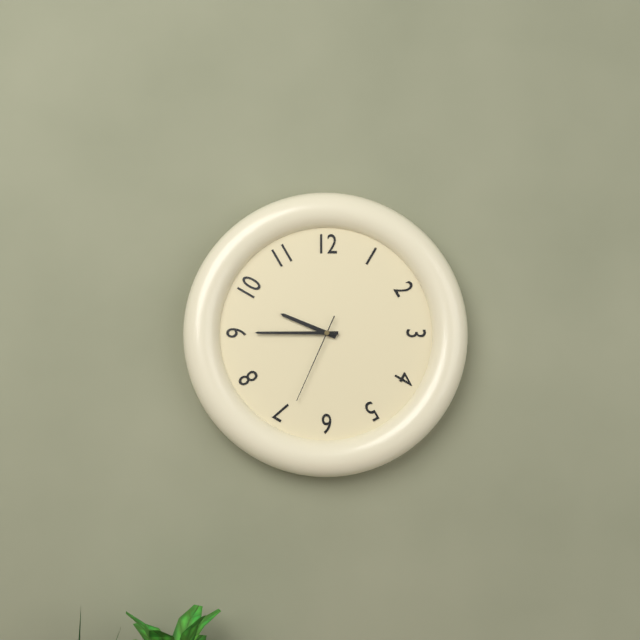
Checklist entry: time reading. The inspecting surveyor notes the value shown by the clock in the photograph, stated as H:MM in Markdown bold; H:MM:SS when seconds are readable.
**9:45:34**
